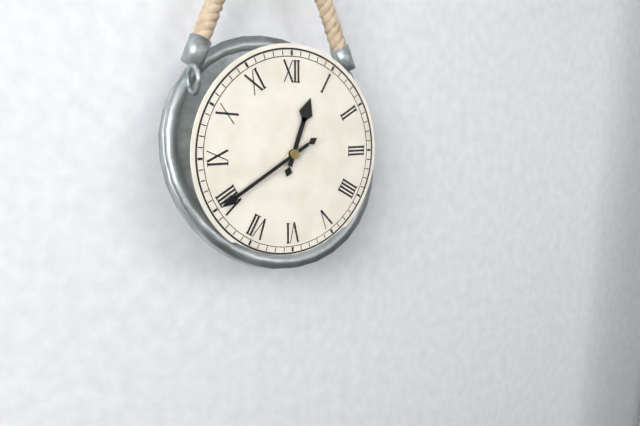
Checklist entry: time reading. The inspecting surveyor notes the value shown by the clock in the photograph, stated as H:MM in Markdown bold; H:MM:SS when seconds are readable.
**12:40**
